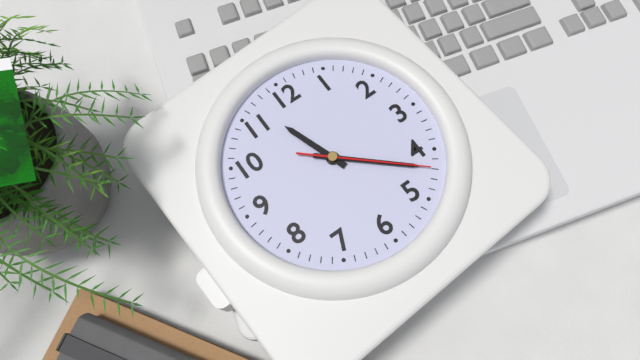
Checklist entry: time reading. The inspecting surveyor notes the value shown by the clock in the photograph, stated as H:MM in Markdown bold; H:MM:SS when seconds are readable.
**11:22:22**
